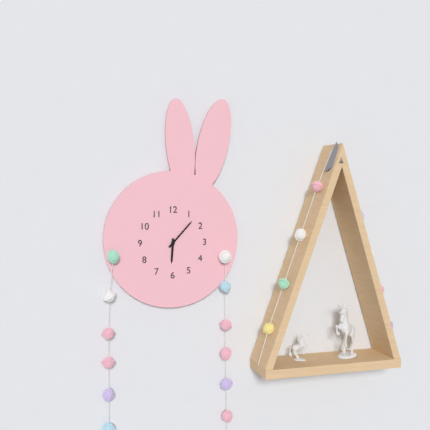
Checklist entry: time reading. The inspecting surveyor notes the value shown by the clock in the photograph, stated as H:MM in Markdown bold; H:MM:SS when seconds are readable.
**6:07**
